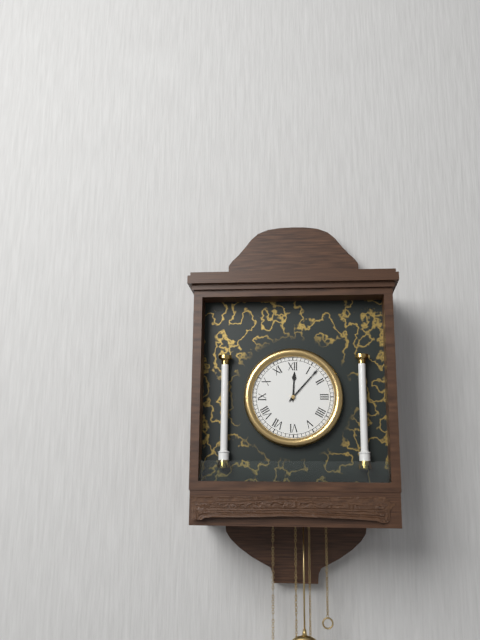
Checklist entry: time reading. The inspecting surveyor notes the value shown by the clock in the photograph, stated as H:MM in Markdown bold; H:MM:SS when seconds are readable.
**12:07**
